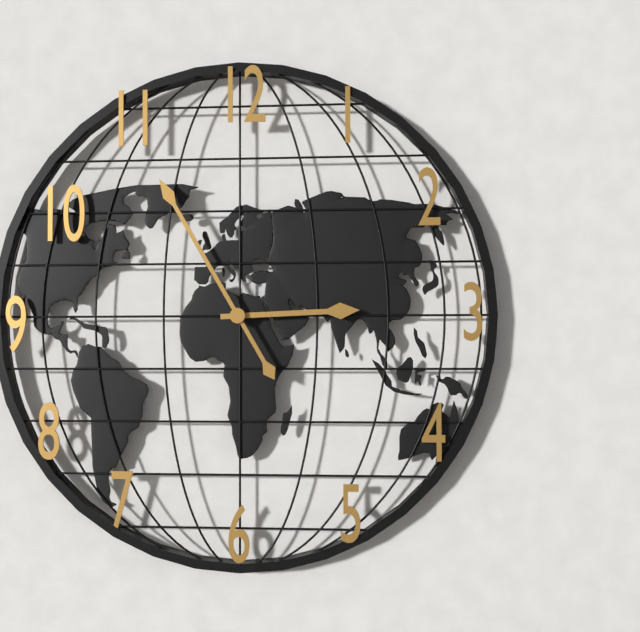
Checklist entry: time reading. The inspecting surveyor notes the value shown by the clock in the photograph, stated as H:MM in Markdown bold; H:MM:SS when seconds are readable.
**2:55**
